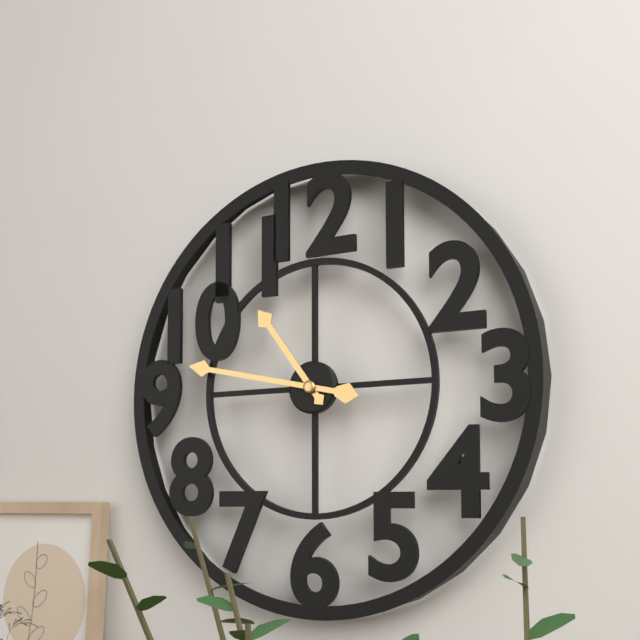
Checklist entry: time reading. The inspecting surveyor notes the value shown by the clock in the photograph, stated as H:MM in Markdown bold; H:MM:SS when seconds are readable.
**10:47**
